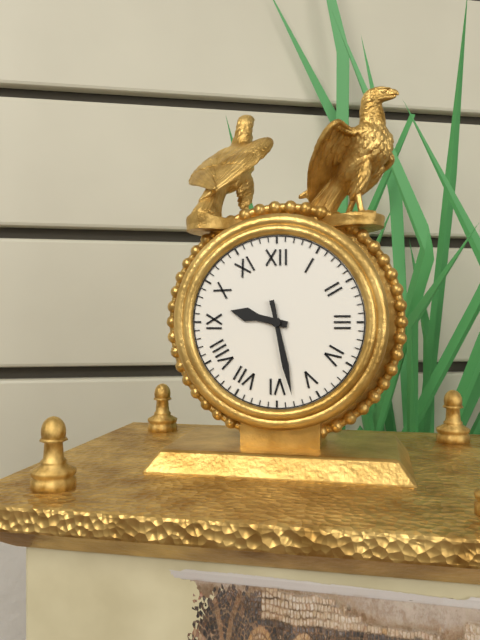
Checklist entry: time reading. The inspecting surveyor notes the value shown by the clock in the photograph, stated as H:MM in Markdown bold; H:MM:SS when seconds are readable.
**9:28**
